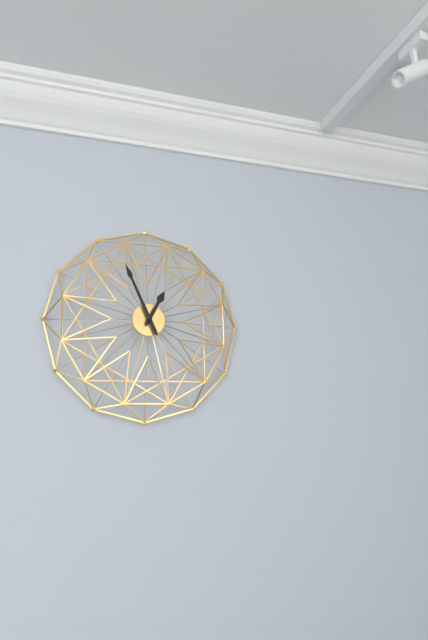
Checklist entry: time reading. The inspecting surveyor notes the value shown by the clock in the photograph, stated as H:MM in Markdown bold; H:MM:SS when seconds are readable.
**12:56**
